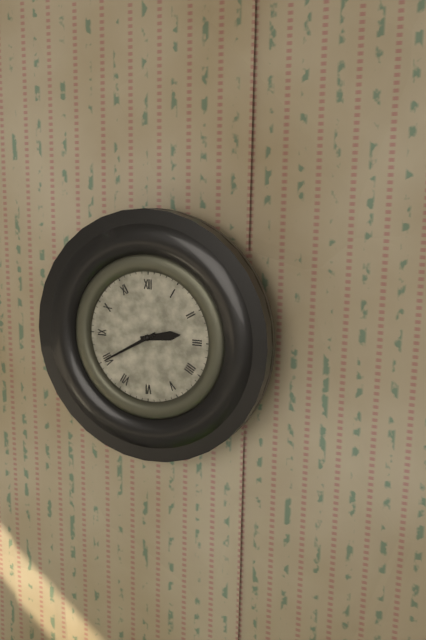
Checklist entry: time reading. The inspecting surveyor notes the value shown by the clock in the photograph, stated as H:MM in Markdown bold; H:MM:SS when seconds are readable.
**2:40**
